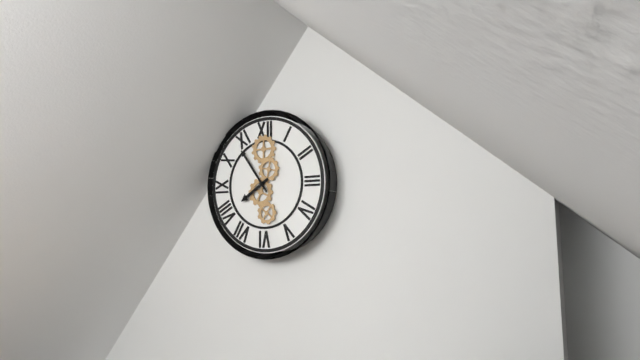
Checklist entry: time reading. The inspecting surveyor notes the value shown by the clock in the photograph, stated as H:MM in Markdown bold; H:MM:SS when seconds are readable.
**7:54**
